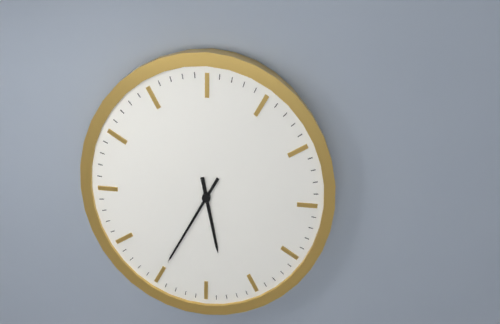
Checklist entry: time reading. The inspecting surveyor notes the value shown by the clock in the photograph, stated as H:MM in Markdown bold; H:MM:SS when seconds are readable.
**5:35**
